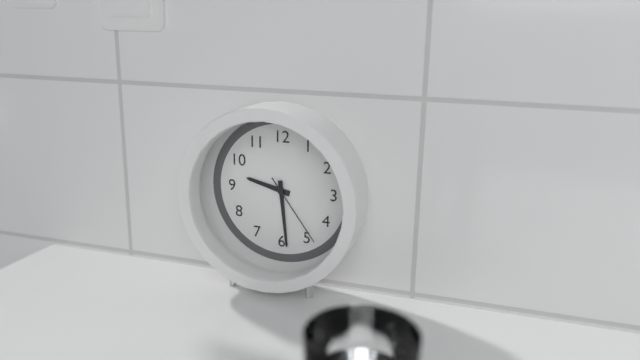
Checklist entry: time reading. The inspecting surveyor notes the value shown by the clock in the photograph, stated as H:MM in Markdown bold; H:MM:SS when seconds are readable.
**9:29:24**
